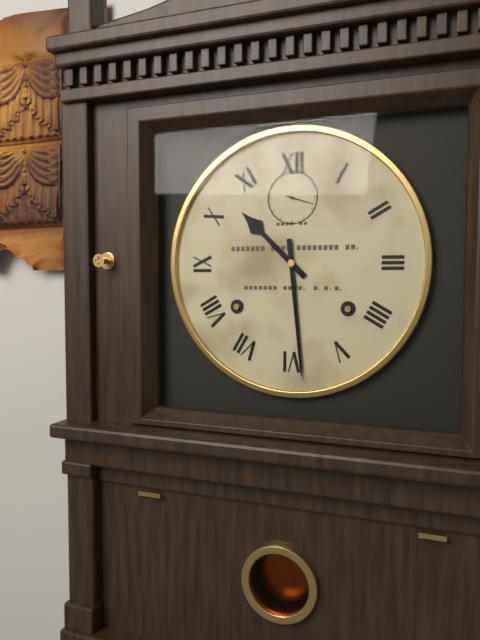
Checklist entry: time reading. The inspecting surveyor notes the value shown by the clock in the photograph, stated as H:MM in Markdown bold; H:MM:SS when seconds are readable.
**10:29**
